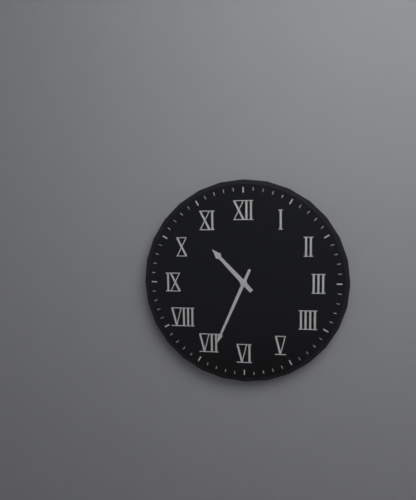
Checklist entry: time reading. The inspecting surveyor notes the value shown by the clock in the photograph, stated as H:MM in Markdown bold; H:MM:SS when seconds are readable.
**10:34**
